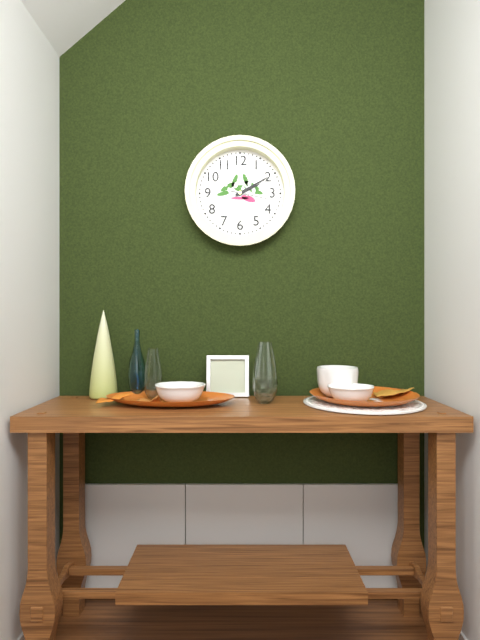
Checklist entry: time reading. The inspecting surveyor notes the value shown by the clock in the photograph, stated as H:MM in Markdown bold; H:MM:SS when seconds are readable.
**2:10**
